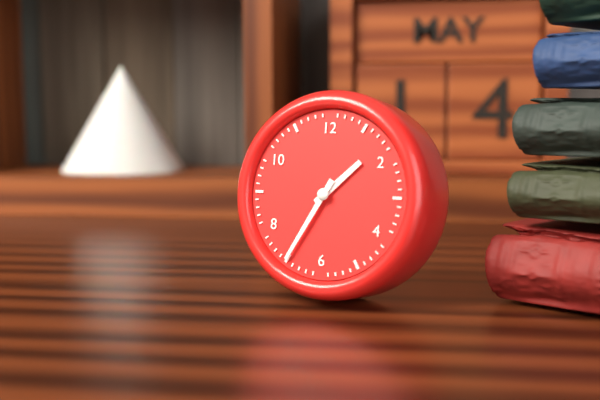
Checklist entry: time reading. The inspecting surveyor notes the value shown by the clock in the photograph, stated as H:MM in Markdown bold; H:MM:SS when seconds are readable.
**1:35**
